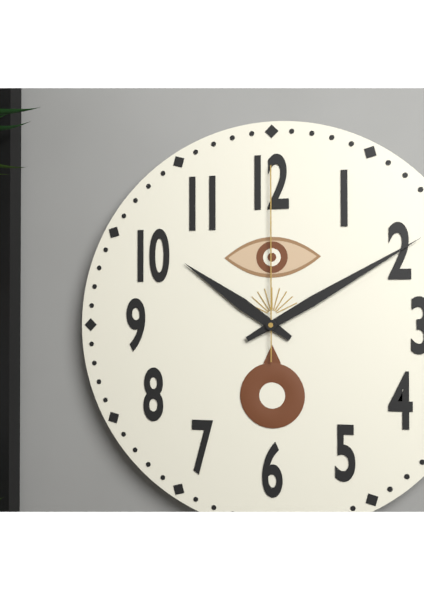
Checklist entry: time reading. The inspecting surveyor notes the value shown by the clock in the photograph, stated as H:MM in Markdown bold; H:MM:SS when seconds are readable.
**10:10:00**
